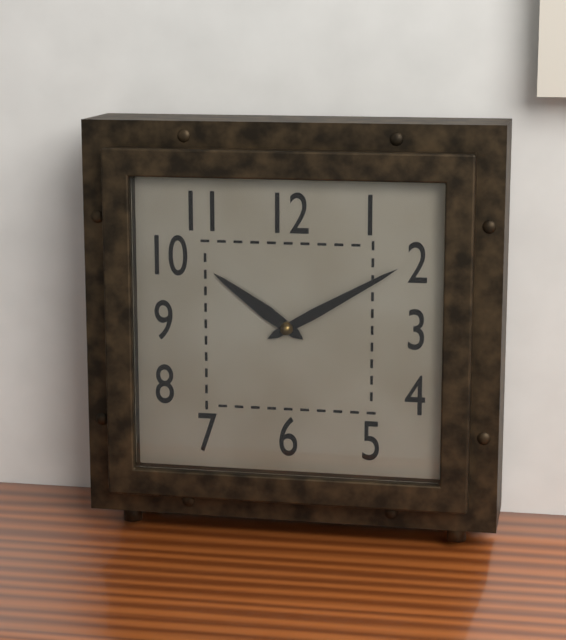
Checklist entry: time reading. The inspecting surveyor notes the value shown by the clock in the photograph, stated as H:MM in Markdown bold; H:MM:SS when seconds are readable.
**10:10**
